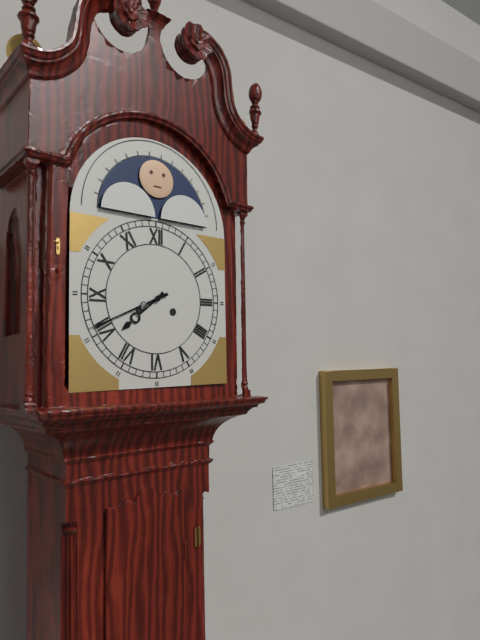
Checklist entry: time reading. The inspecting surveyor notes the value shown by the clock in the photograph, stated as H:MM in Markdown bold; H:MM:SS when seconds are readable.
**7:41**
